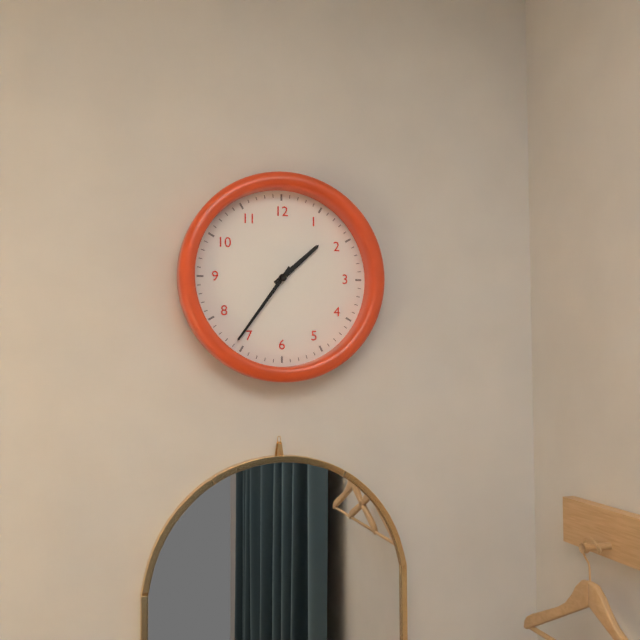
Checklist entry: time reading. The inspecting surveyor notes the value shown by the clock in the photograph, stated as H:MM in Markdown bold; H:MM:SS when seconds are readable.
**1:36**
